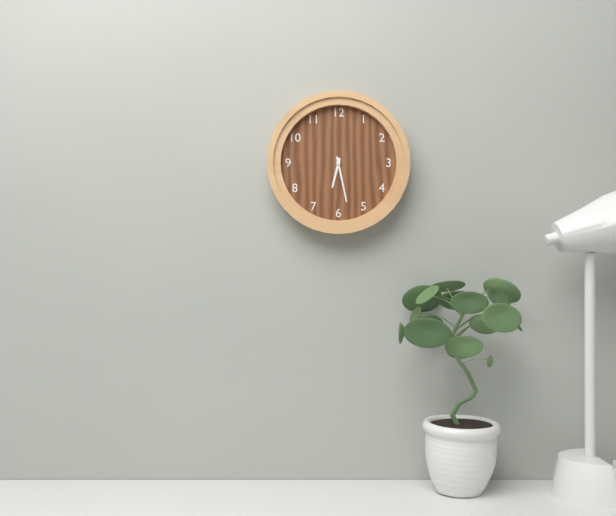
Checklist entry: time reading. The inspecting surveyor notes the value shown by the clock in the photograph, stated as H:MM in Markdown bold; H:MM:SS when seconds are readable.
**6:28**
